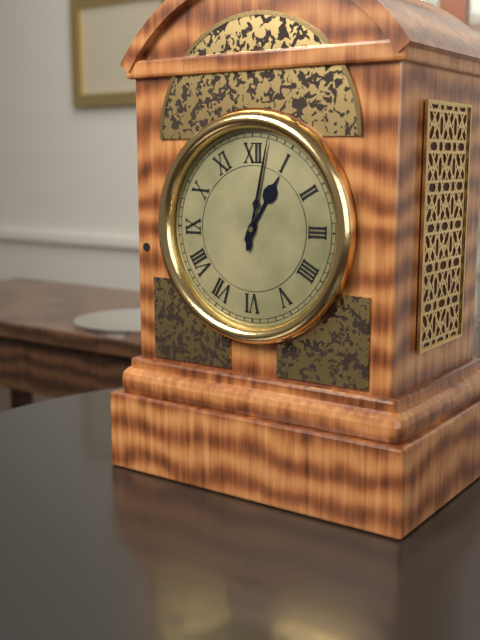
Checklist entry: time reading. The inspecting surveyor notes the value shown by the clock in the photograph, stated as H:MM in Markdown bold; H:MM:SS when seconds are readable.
**1:02**
